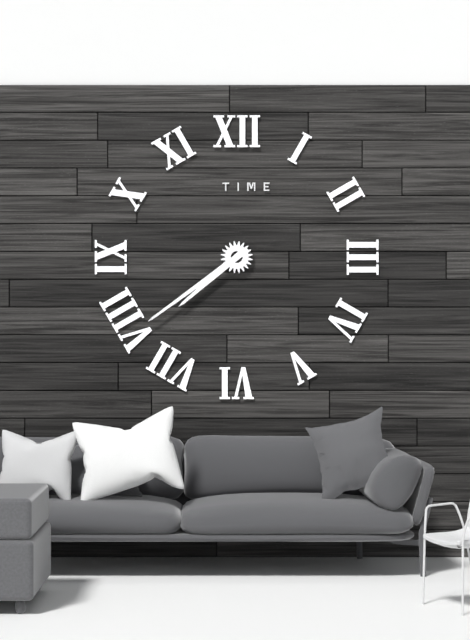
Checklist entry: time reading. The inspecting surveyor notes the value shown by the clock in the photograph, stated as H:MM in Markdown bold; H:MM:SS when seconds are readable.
**7:39**
